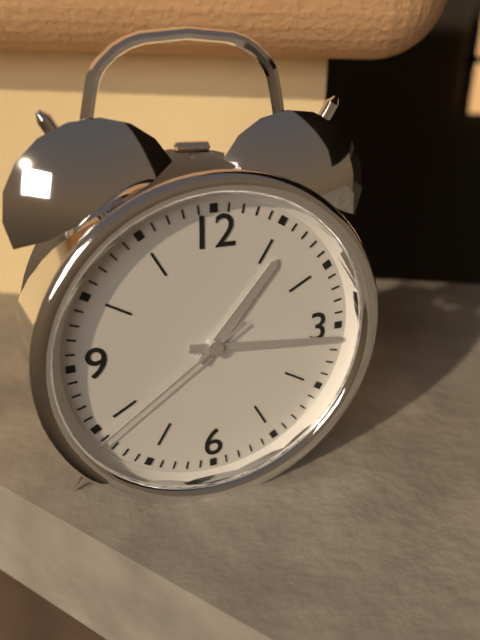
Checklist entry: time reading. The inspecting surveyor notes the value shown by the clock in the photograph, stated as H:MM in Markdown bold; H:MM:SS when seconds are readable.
**1:16:39**
